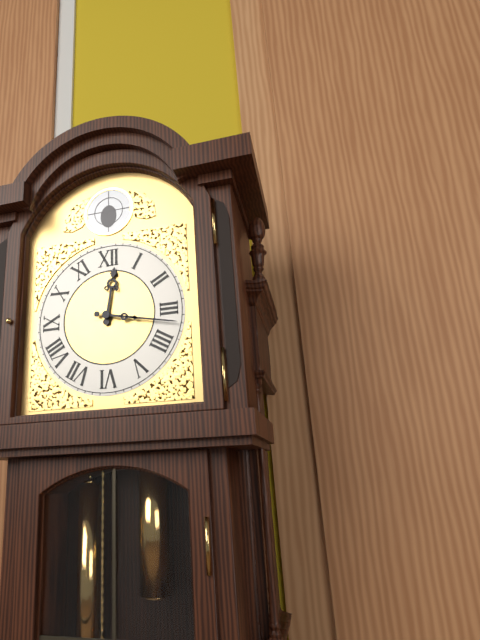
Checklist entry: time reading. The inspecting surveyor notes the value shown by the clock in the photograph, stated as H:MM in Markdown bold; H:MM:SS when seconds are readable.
**12:17**
